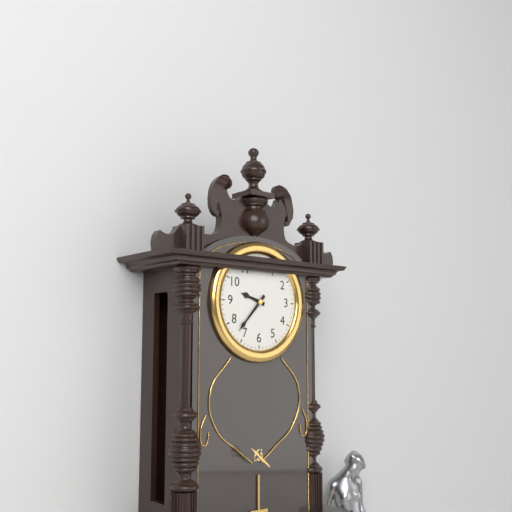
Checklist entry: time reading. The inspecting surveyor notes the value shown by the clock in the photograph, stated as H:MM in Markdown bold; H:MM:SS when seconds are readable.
**9:37**
